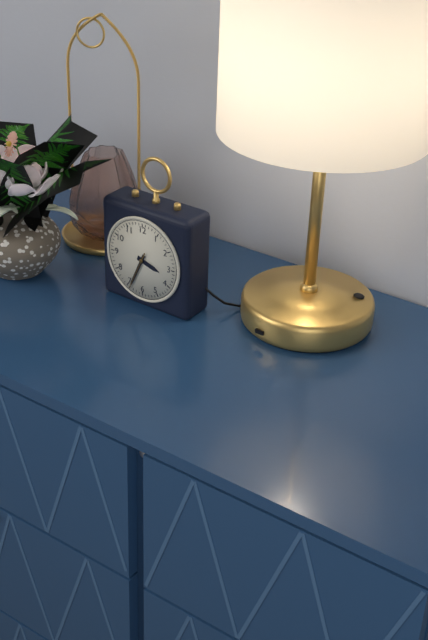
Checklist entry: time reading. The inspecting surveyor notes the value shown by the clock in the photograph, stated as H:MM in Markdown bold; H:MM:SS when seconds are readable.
**3:34**
